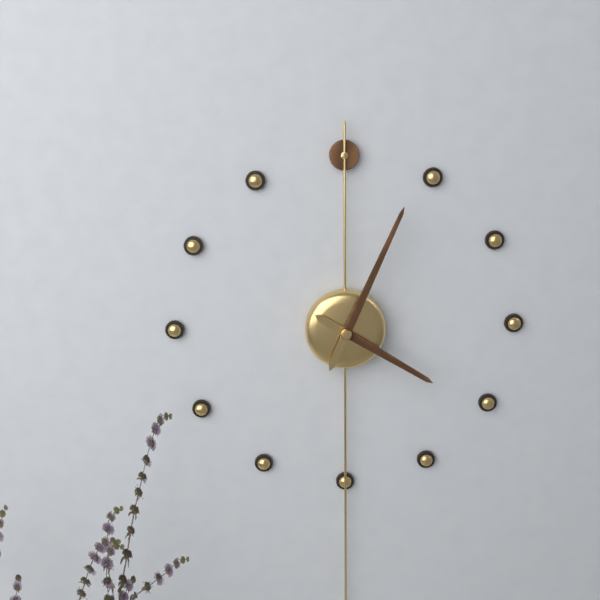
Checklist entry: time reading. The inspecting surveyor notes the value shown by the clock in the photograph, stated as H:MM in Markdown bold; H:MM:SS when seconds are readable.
**4:04**
